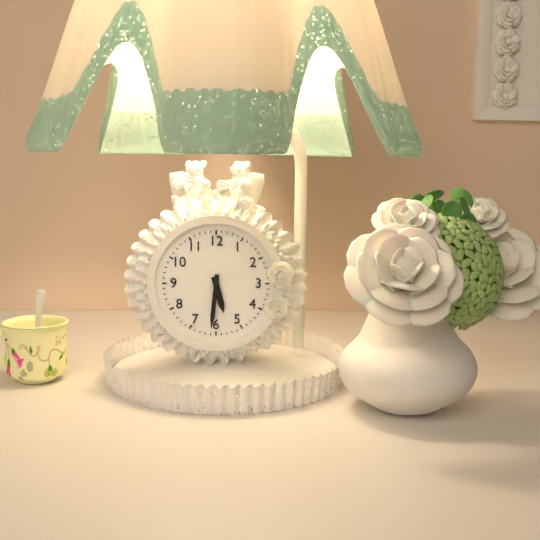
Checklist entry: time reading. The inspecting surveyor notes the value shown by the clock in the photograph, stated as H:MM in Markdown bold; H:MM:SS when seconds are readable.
**5:31**
